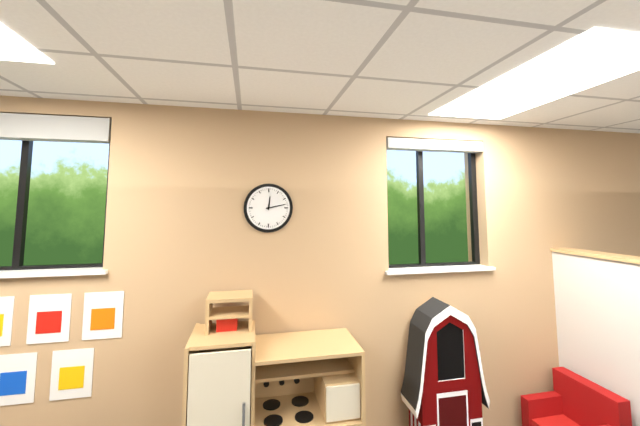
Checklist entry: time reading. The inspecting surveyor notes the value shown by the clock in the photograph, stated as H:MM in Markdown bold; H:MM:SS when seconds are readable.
**12:13**
